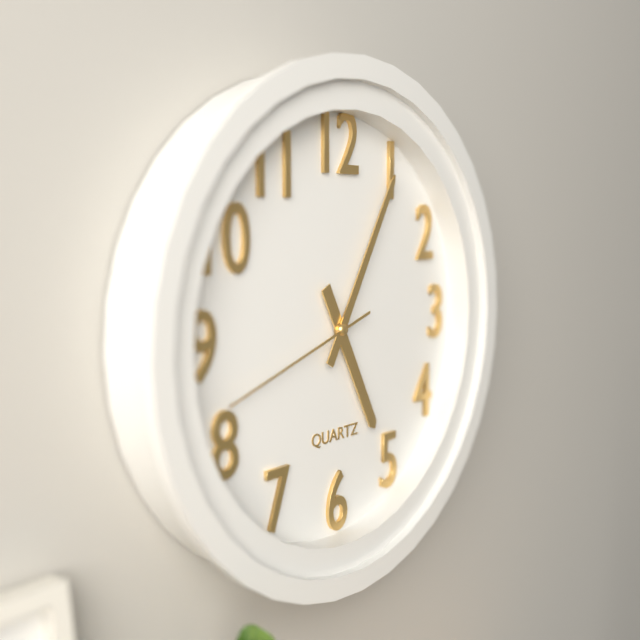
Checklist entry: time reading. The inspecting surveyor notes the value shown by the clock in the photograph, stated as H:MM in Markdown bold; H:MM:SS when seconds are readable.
**5:05:42**
